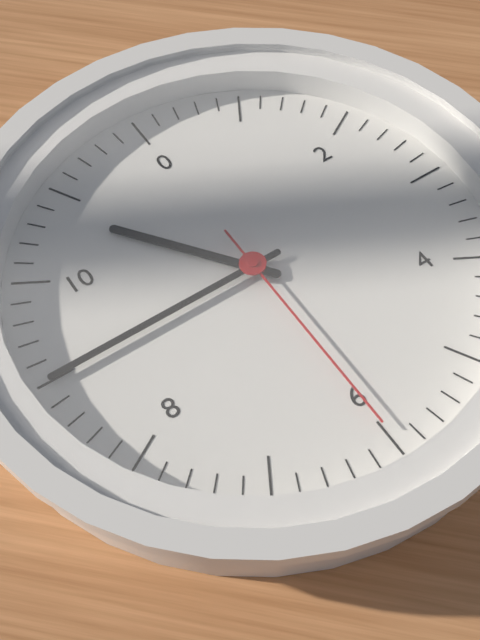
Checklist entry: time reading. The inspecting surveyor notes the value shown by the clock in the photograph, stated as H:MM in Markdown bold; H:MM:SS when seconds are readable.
**10:45:30**
